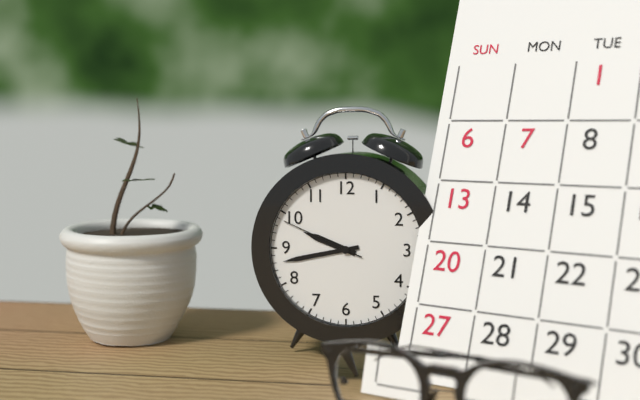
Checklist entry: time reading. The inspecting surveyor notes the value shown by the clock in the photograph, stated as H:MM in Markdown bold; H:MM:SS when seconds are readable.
**9:43:49**
